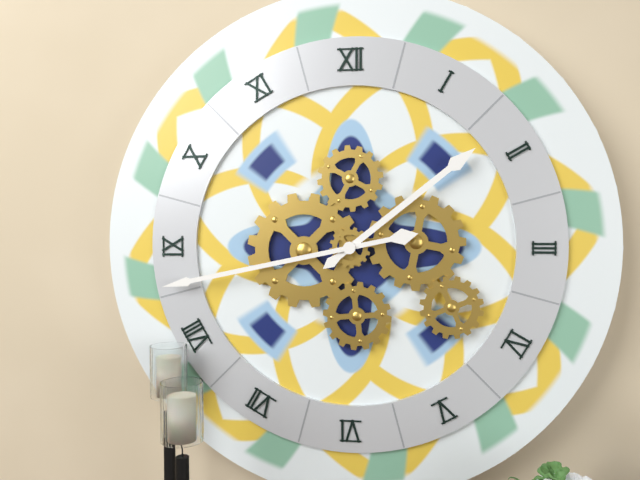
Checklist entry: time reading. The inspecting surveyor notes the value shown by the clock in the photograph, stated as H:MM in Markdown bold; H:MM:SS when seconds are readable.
**1:43**
